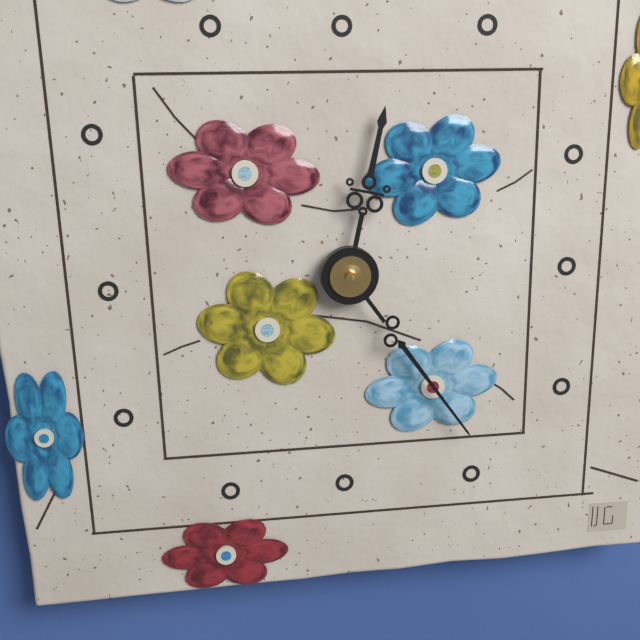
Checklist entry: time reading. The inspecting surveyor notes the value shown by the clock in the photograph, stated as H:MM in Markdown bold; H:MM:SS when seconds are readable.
**12:24**
